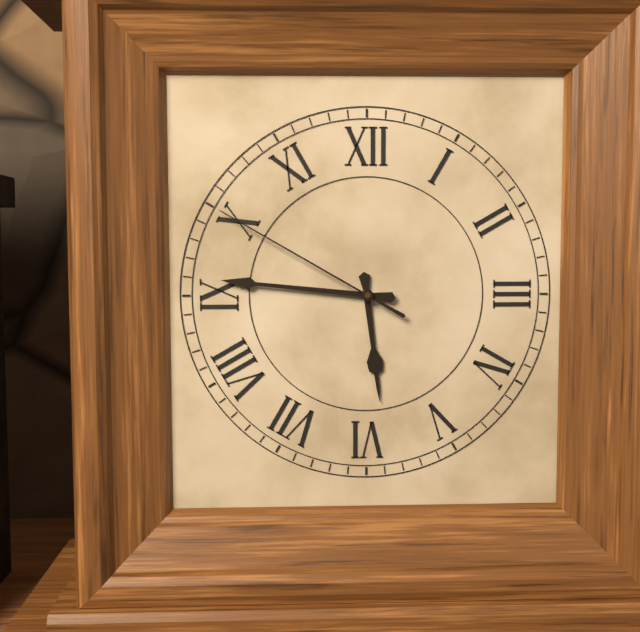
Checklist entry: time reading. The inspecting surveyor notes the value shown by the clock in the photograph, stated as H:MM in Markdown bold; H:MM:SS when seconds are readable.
**5:46:50**
